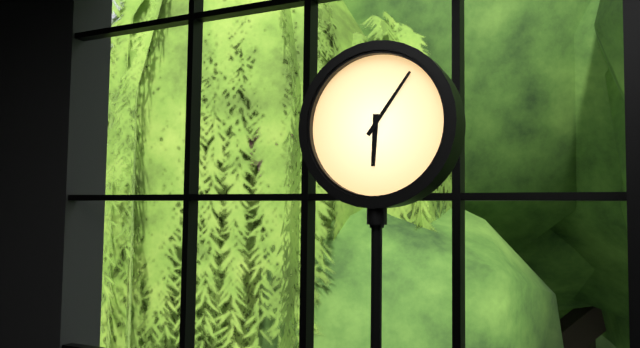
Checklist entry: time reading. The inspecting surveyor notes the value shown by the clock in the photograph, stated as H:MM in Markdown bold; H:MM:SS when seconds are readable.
**6:06**
